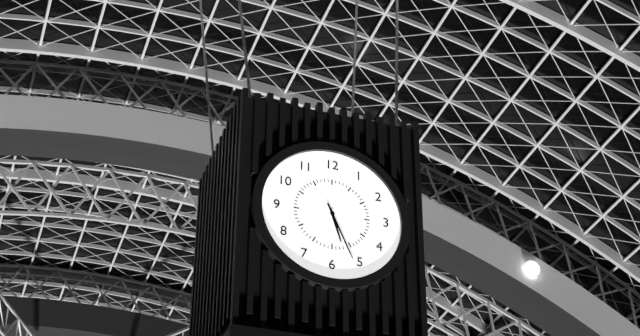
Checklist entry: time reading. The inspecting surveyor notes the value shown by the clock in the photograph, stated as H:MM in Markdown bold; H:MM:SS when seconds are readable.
**5:26**
